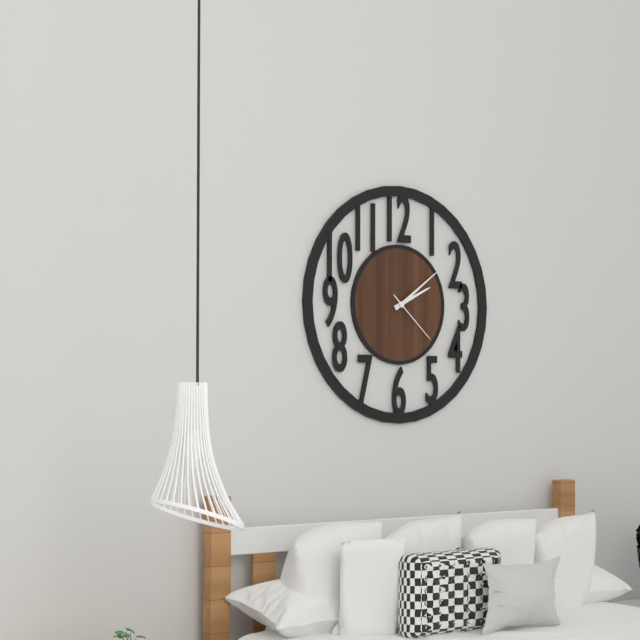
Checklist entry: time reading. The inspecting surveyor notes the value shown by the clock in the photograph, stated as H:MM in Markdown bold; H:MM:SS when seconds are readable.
**2:09:22**
